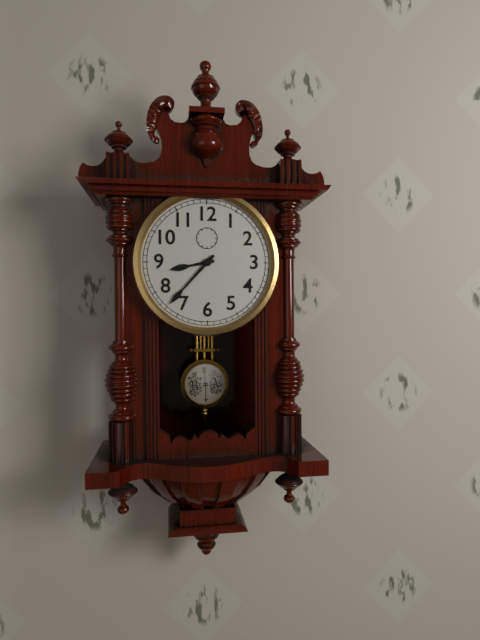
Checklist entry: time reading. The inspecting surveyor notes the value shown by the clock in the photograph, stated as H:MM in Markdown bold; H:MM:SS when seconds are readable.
**8:37**
